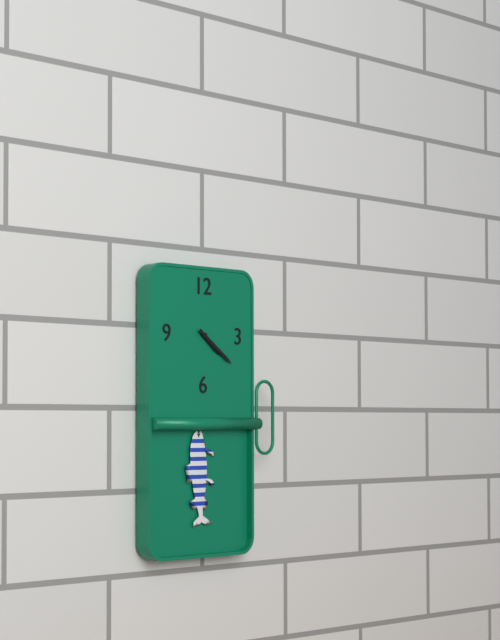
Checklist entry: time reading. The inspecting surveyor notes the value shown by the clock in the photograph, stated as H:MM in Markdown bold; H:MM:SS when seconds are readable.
**4:21**
